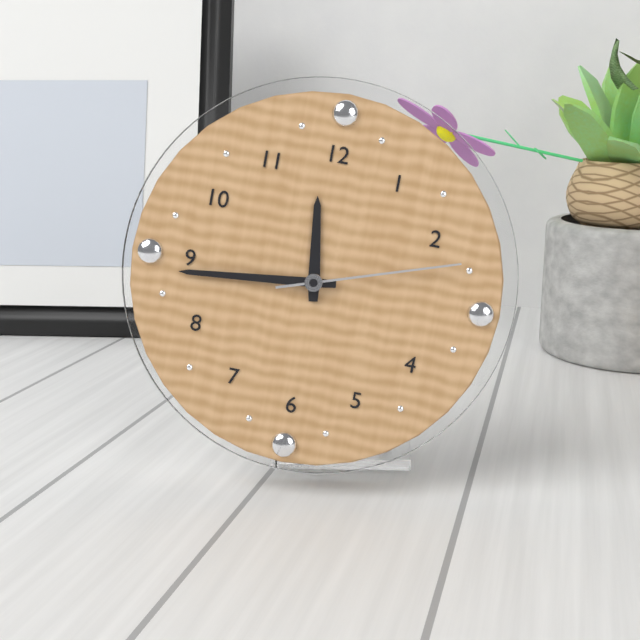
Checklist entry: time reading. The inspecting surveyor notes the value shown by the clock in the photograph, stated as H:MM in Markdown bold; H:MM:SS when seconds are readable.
**11:44:12**
